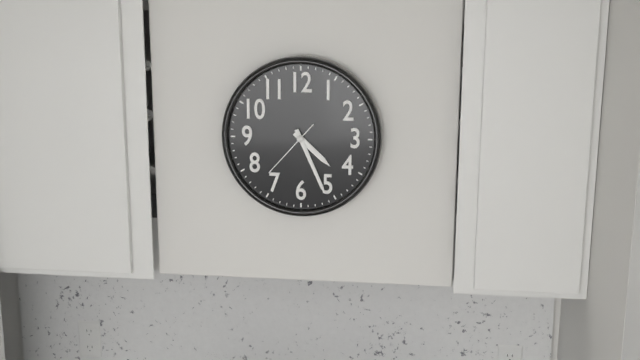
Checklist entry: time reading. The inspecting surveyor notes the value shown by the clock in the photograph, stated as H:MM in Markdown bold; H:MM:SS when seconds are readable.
**4:26:37**
